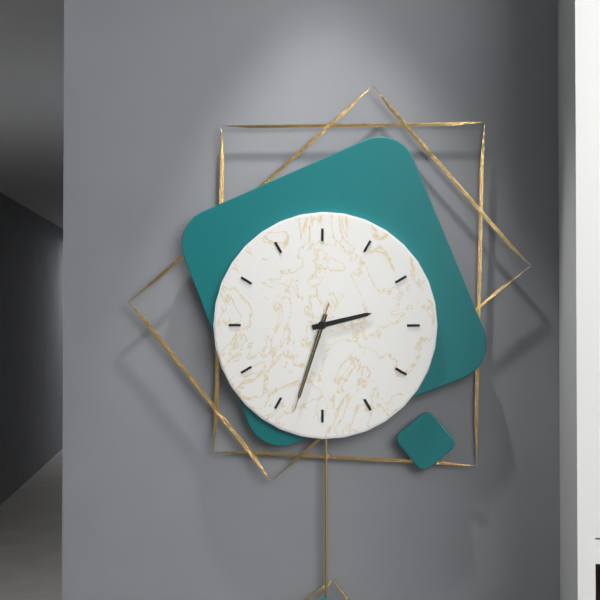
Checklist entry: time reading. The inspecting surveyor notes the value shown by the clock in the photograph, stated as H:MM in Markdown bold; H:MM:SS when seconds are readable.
**2:33:33**
